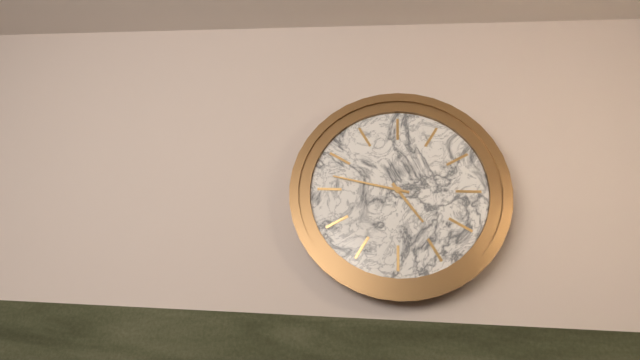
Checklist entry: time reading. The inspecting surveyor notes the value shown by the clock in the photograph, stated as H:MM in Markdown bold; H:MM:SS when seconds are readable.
**4:47**
